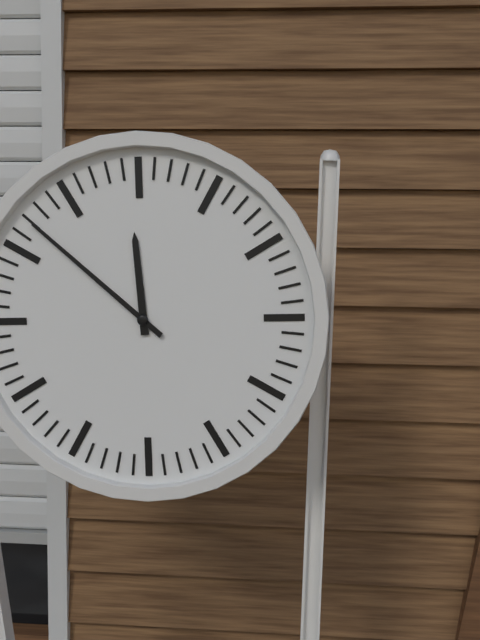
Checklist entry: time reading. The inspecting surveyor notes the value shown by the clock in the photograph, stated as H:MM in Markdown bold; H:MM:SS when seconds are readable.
**11:52**
